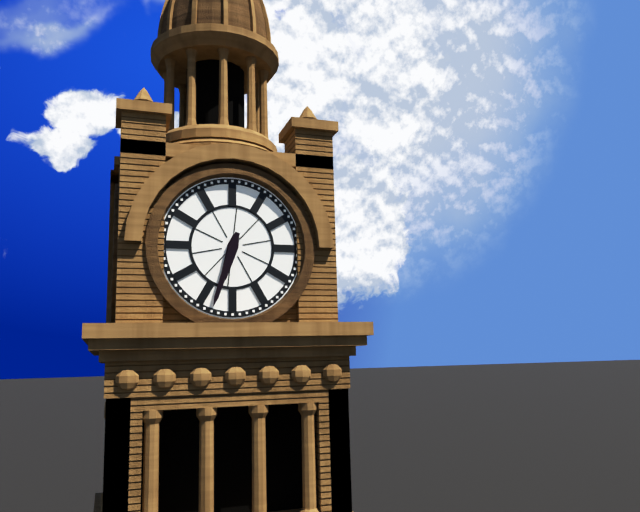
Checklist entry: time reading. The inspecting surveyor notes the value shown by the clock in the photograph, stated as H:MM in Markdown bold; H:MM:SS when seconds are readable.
**6:33**
